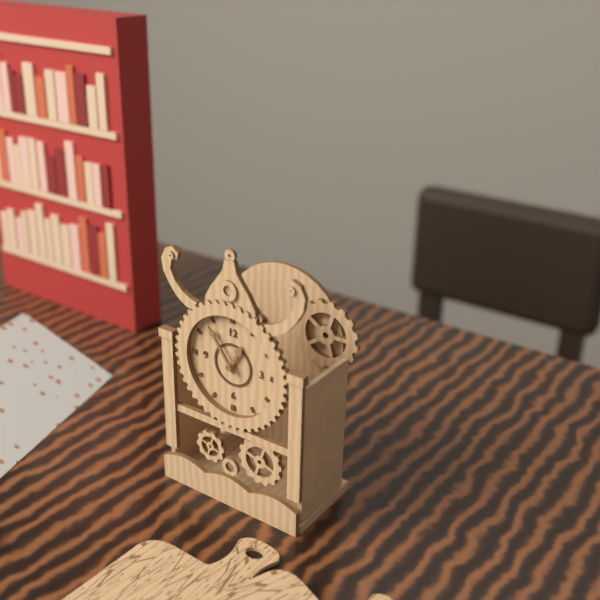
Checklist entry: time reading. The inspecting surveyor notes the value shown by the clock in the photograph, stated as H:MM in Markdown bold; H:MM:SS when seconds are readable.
**12:54**
